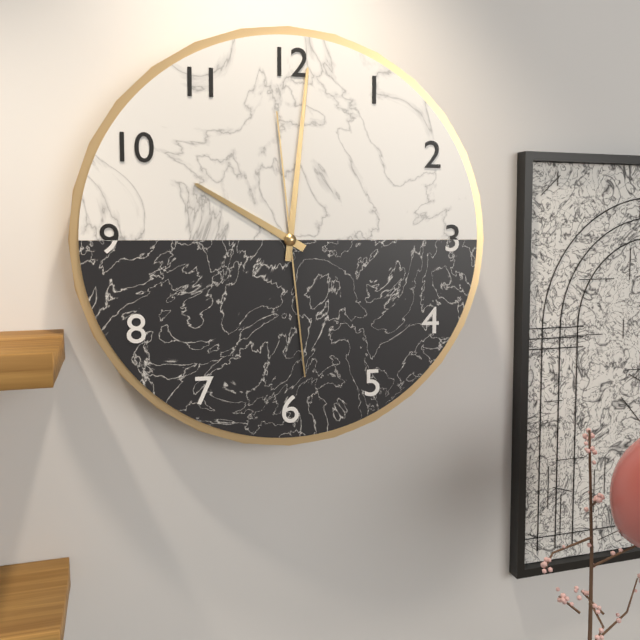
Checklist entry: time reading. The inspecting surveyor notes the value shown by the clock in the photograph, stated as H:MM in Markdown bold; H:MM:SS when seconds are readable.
**10:01:29**
